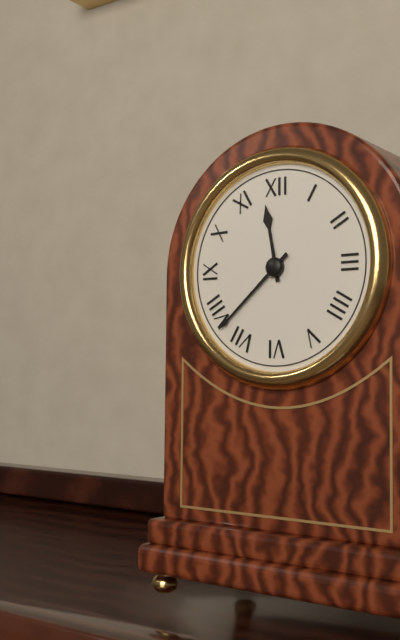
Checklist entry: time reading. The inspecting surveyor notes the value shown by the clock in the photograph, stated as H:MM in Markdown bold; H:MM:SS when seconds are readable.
**11:38**
